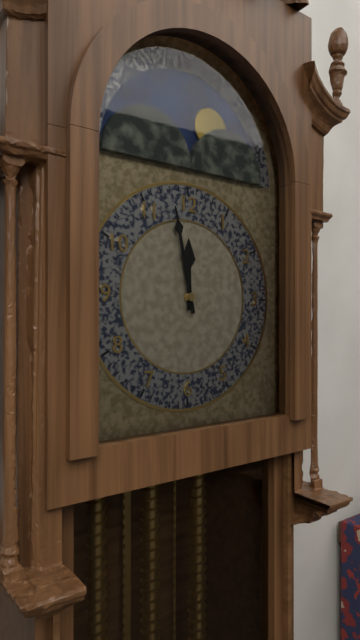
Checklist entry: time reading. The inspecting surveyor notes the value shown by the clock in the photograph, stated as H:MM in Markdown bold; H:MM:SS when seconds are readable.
**11:58**
